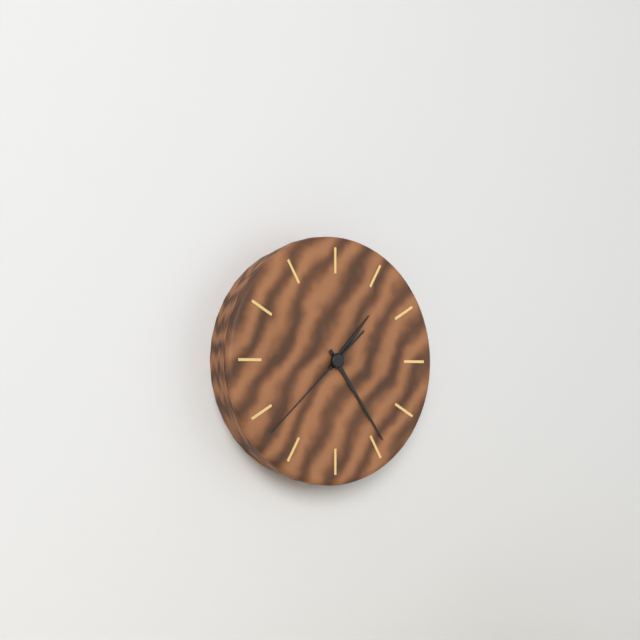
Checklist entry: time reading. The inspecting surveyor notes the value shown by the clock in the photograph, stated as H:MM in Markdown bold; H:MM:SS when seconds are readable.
**1:24:38**
